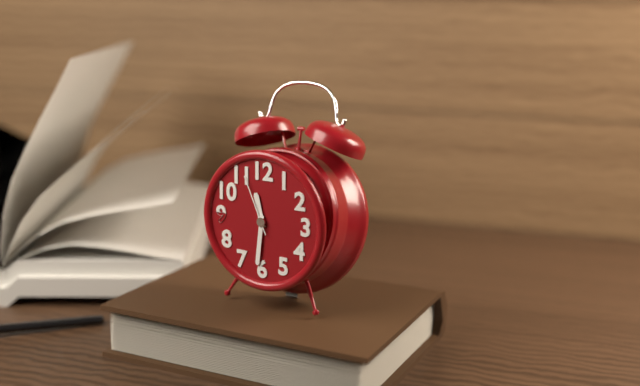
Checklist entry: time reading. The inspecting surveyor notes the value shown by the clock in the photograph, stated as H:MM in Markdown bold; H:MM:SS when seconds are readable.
**11:31:56**
